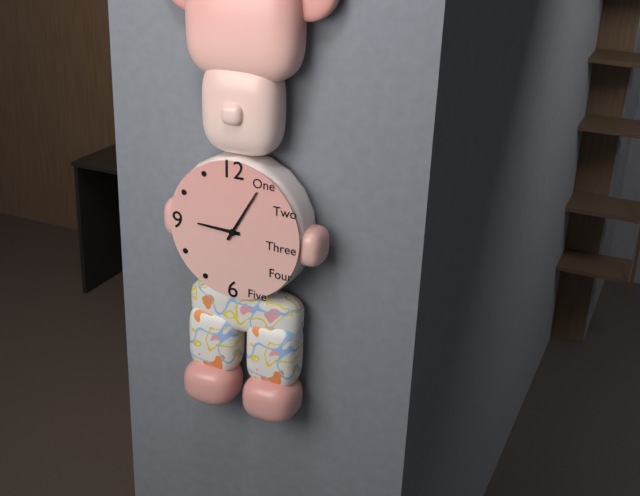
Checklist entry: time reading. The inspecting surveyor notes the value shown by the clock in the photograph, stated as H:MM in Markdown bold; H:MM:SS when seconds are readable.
**9:05**
